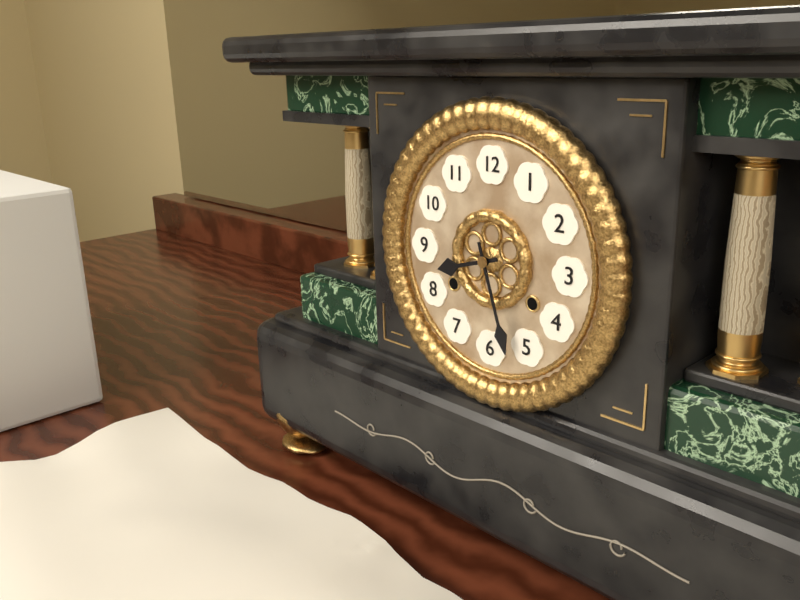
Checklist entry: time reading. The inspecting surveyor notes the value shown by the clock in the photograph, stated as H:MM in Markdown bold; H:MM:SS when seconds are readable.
**8:27**
